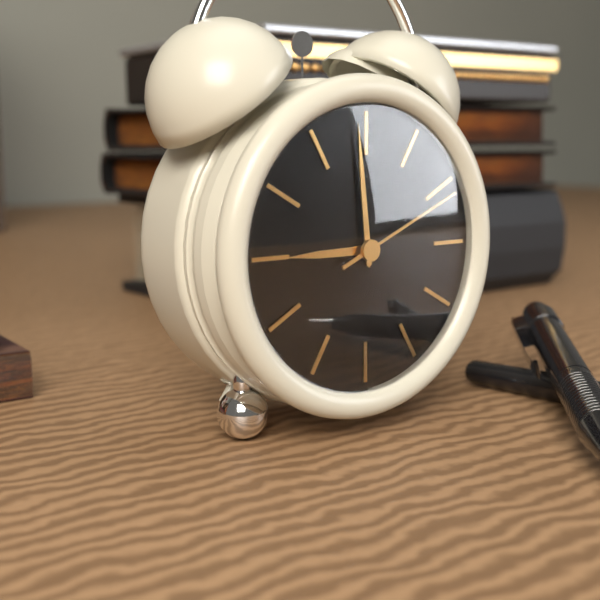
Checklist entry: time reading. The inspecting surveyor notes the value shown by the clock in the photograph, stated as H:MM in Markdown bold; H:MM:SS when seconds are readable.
**8:59:11**
